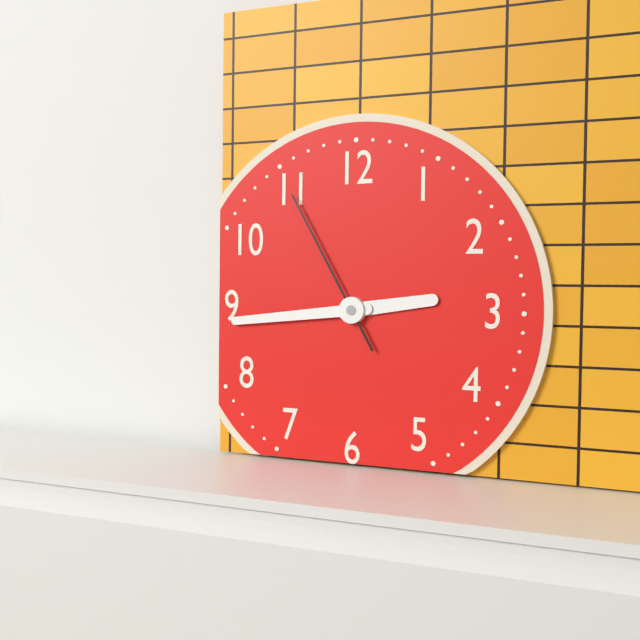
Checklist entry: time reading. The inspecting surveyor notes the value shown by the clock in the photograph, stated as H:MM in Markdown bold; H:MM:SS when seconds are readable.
**2:44:55**
